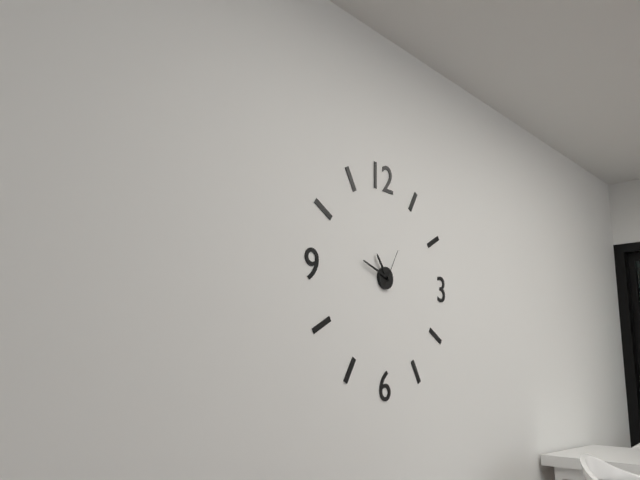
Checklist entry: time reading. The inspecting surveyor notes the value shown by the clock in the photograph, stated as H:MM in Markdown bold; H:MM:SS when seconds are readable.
**10:48**
